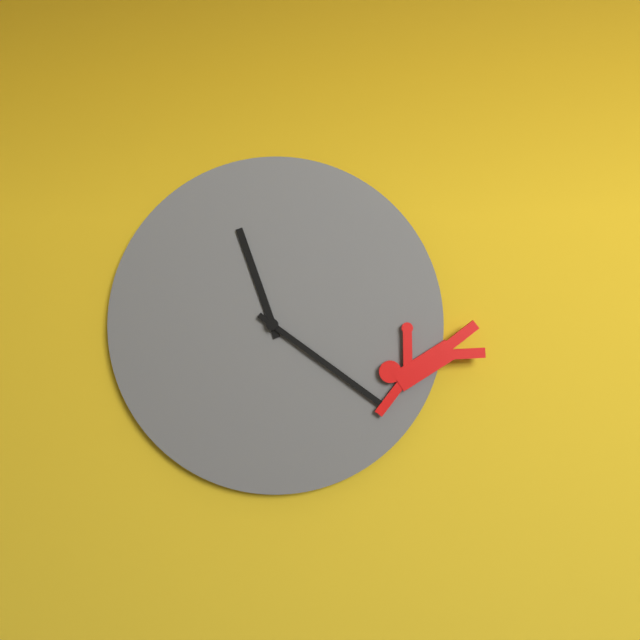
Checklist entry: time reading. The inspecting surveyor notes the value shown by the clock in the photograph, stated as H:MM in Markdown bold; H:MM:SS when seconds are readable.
**11:21**
